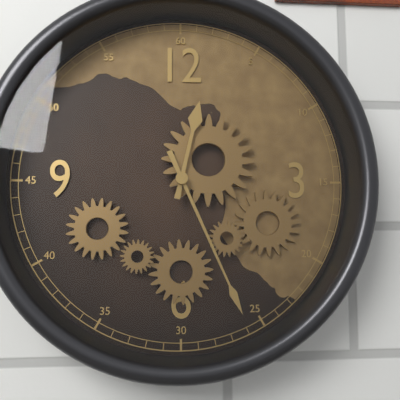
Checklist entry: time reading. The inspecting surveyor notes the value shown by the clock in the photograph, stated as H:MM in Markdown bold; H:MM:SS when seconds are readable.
**12:26**
